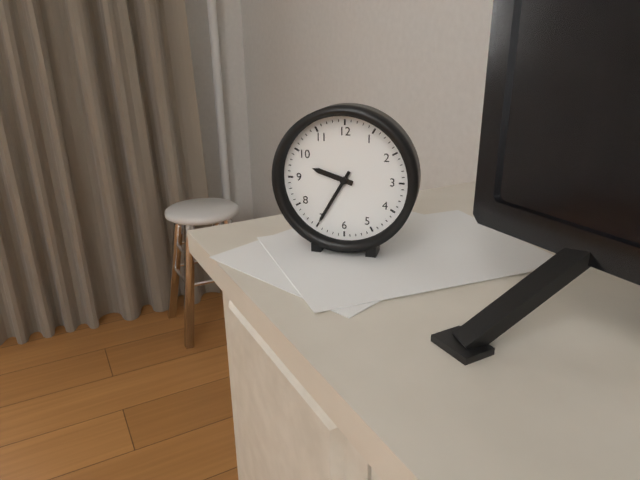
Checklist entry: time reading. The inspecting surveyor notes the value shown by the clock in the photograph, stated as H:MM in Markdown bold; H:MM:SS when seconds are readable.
**9:35**
